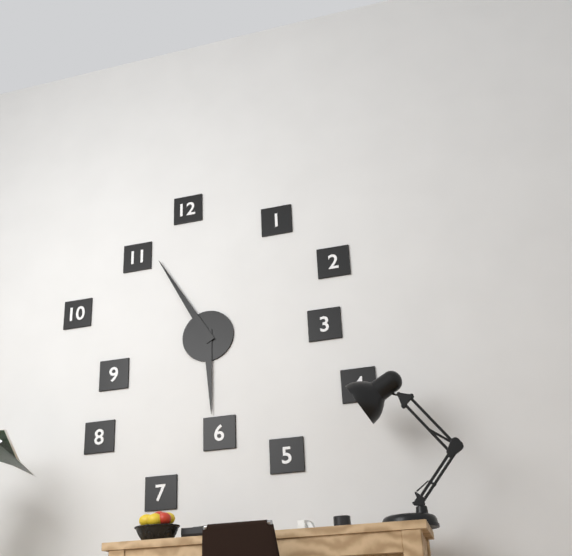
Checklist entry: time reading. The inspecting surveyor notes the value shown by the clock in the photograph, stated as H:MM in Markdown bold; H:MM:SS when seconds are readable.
**5:55**
